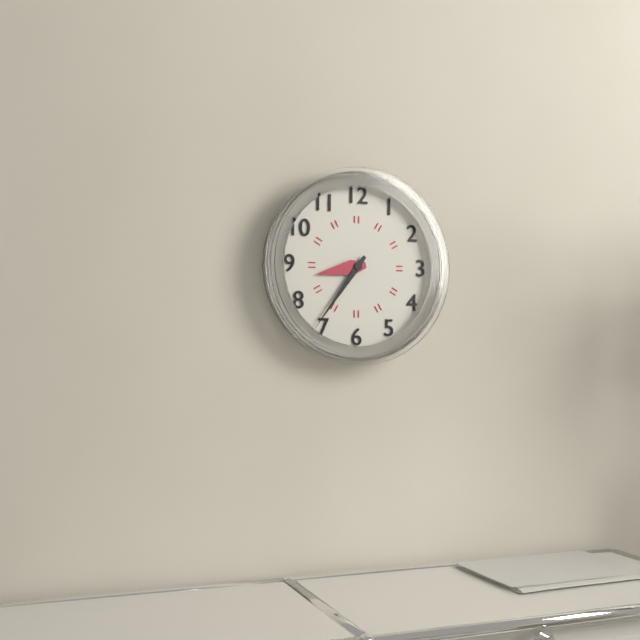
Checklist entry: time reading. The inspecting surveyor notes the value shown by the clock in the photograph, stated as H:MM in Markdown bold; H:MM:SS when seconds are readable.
**8:36**
